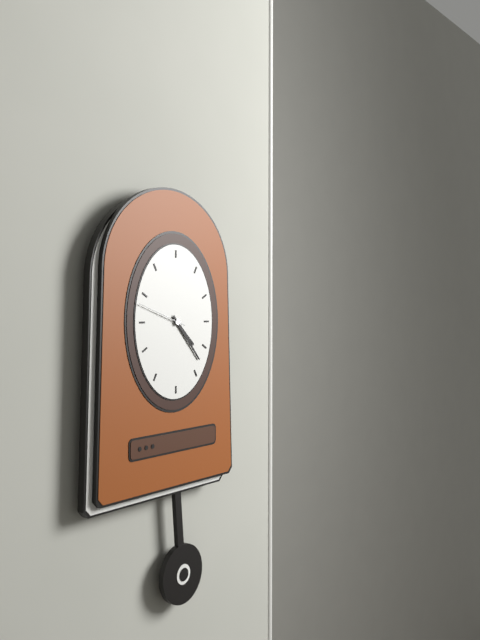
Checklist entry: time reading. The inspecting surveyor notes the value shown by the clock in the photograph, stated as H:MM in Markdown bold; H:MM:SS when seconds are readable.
**4:23:48**
